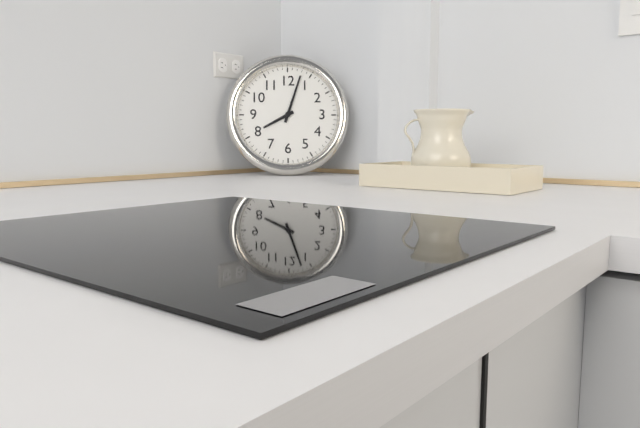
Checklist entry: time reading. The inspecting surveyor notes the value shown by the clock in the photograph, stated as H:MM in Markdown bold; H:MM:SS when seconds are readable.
**8:03**
